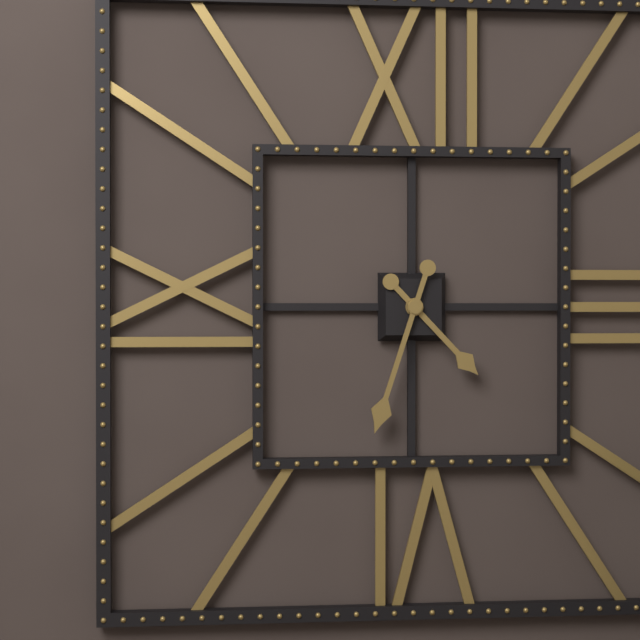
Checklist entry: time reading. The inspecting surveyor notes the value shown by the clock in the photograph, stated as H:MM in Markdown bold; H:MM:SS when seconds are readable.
**4:33**
